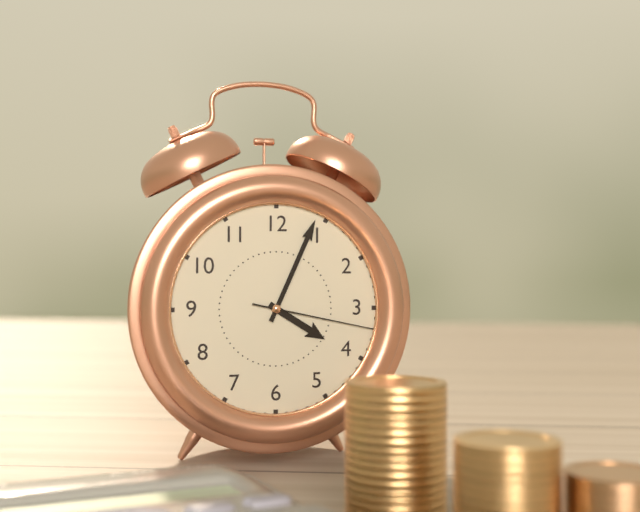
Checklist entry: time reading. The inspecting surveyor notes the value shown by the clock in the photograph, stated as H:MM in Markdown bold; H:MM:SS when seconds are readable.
**4:04:17**
